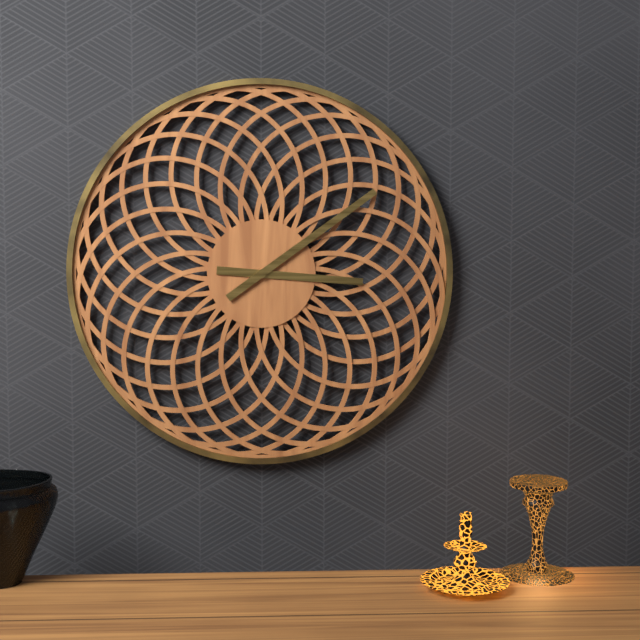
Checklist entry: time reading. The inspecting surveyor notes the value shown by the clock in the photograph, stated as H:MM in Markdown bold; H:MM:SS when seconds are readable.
**3:09**
